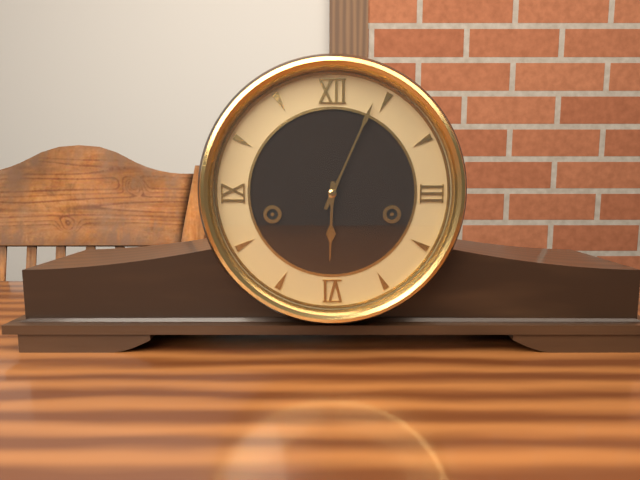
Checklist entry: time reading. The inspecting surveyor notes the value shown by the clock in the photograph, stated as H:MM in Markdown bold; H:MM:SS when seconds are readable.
**6:04**
